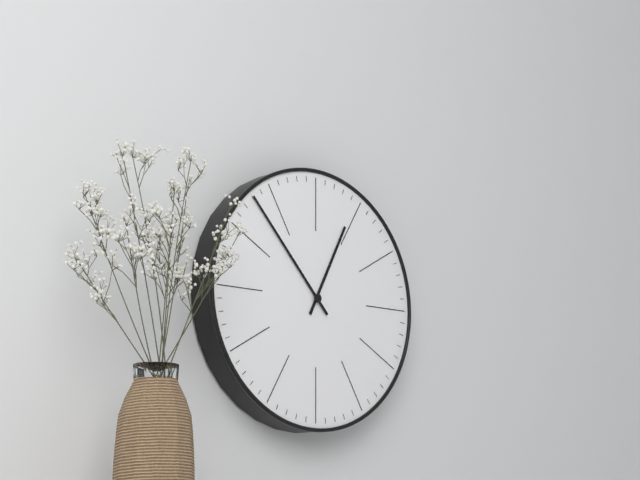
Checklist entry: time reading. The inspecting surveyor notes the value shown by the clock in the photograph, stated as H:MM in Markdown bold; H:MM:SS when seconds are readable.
**12:53**
